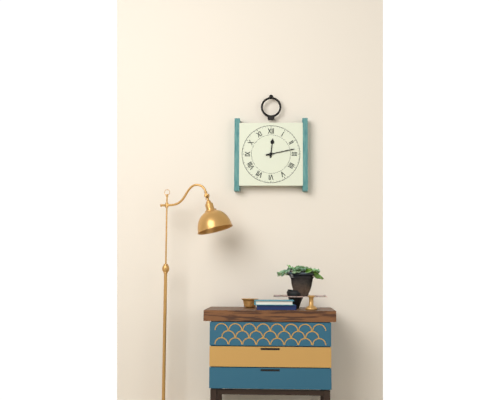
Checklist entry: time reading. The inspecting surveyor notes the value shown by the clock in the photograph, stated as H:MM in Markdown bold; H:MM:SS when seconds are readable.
**12:13**
